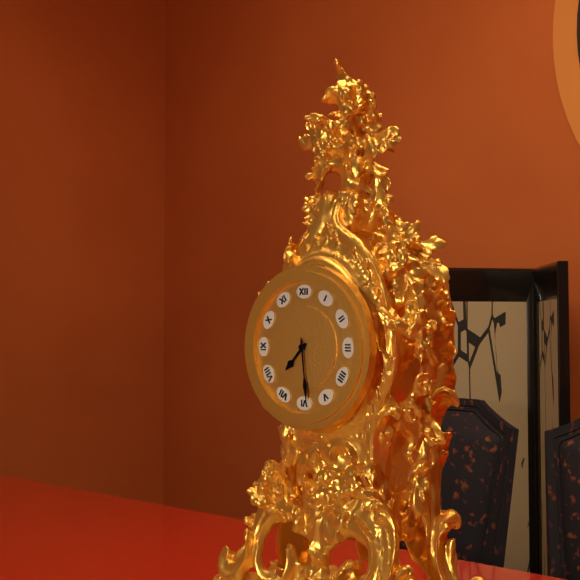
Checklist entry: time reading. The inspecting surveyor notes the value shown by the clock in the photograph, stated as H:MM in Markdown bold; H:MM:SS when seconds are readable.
**7:29**
